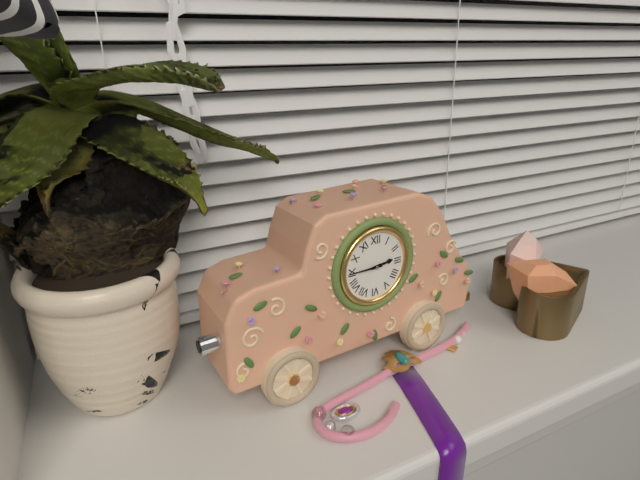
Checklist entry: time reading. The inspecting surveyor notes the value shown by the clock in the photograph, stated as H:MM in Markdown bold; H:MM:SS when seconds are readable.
**2:45**
